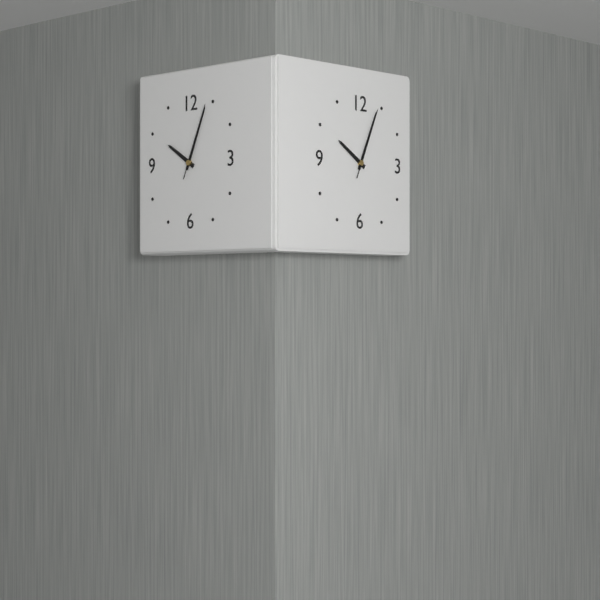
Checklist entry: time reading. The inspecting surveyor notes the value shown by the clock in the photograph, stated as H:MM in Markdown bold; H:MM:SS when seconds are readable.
**10:04:04**
